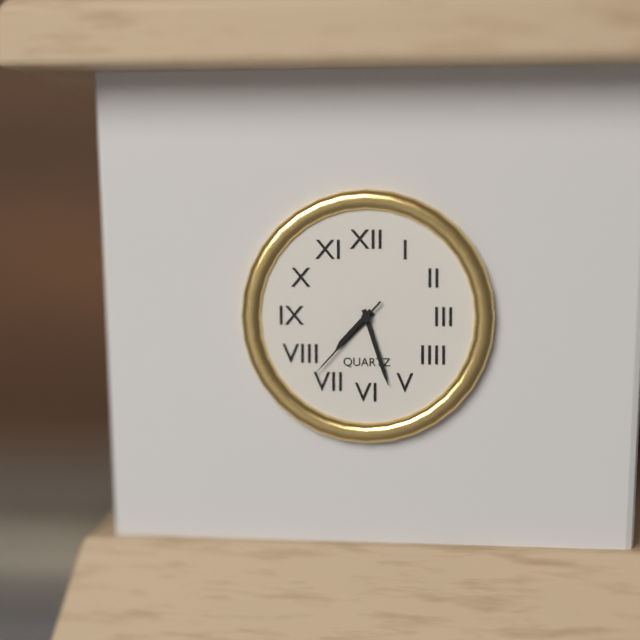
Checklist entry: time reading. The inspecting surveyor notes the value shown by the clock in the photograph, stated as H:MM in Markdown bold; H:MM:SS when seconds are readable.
**7:27:37**
